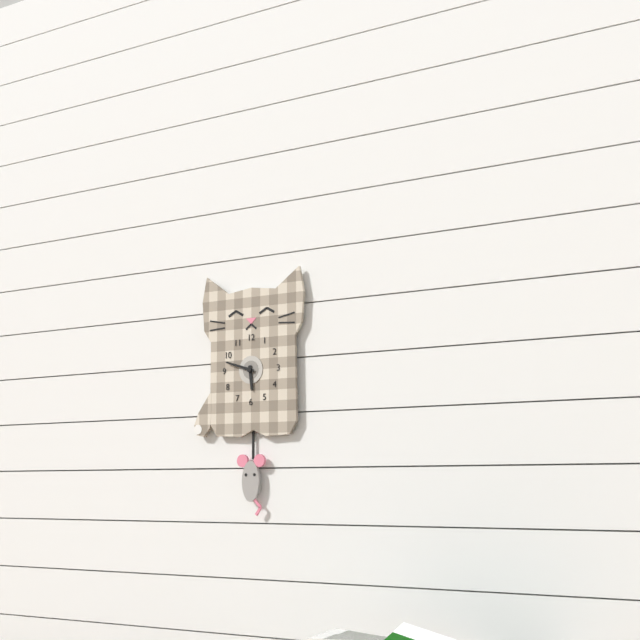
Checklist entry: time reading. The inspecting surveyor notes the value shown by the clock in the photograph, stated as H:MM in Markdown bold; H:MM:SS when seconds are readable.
**5:48**
